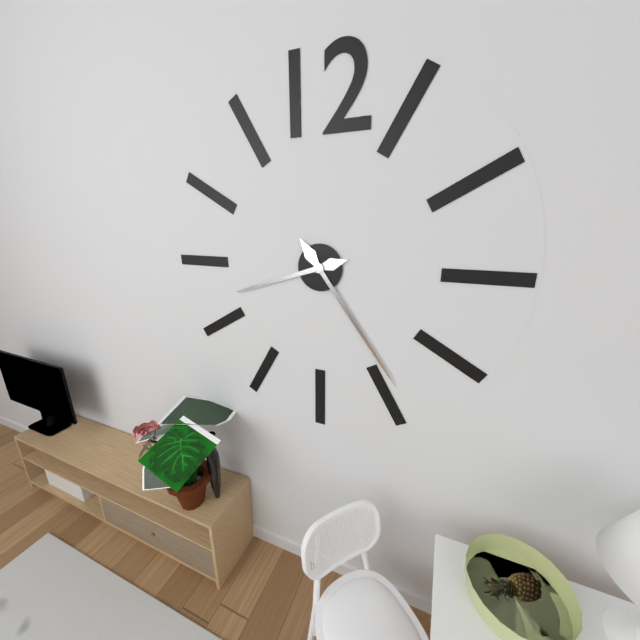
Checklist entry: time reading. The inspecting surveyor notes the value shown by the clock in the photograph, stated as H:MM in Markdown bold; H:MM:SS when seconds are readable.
**8:24**
